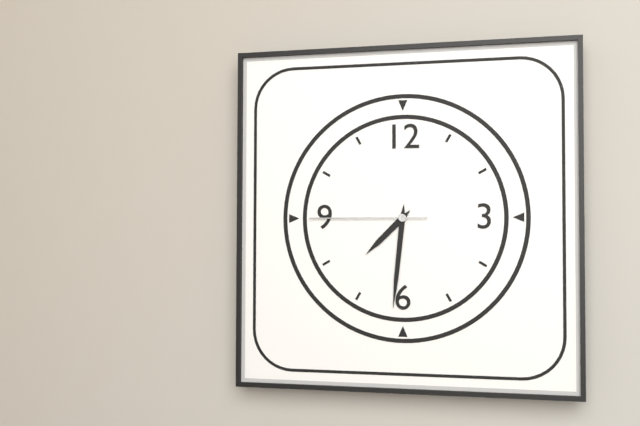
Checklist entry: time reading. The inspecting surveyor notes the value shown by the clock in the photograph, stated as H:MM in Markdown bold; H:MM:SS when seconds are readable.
**7:31:45**
